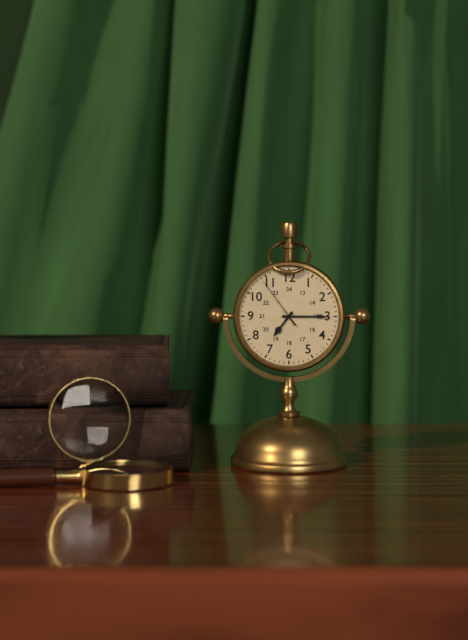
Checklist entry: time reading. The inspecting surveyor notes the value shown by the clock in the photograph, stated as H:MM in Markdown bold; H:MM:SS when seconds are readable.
**7:15:54**
